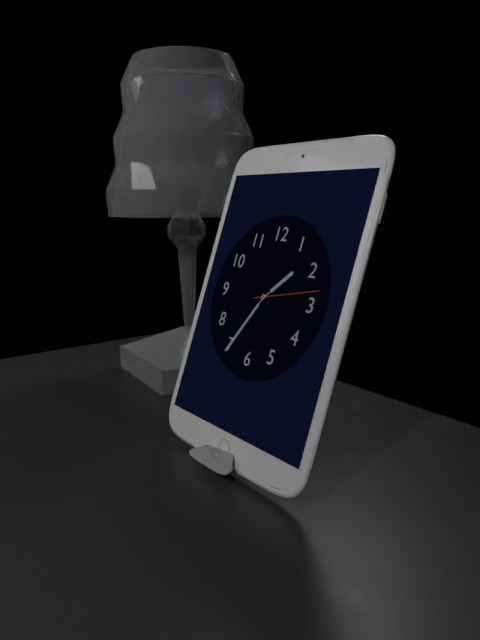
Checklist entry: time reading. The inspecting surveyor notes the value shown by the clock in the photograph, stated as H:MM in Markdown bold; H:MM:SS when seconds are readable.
**1:35:13**
